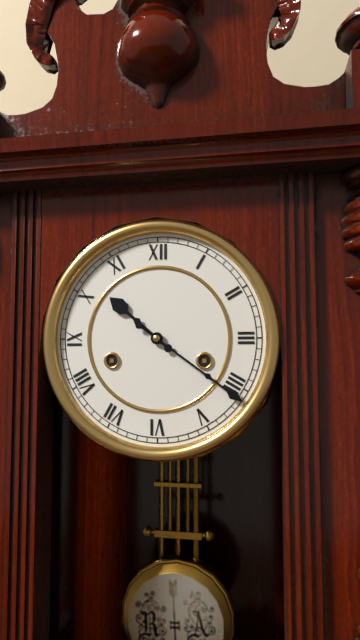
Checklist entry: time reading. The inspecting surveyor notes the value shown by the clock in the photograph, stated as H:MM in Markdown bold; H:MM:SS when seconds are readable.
**10:21**
